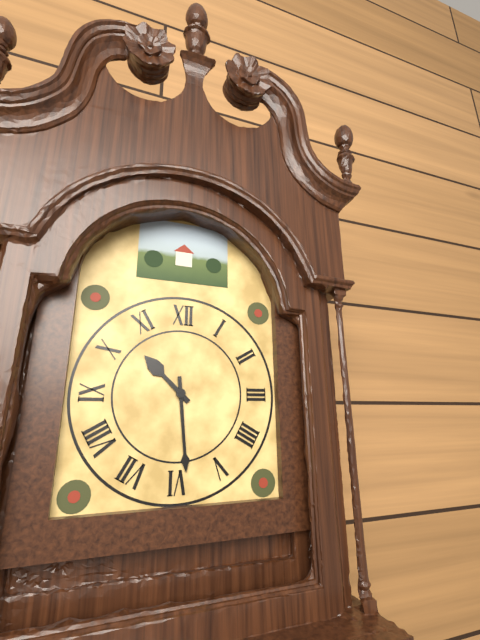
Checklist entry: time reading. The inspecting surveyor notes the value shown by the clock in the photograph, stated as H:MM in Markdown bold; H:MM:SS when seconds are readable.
**10:29**
